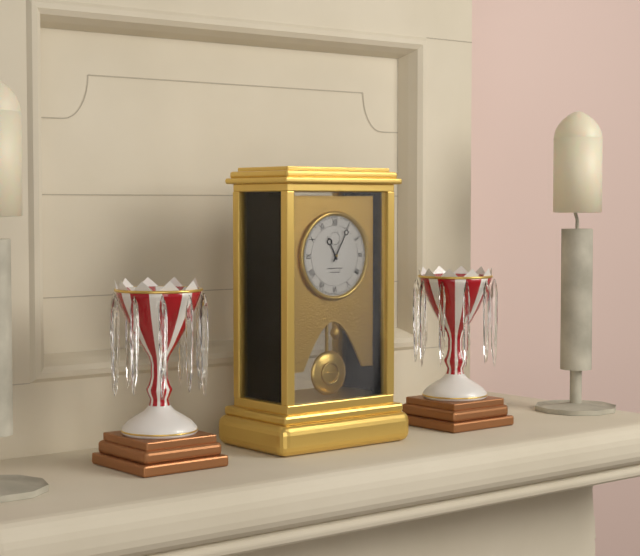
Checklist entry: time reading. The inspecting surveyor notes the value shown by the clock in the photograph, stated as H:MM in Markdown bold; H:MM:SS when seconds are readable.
**11:05**
